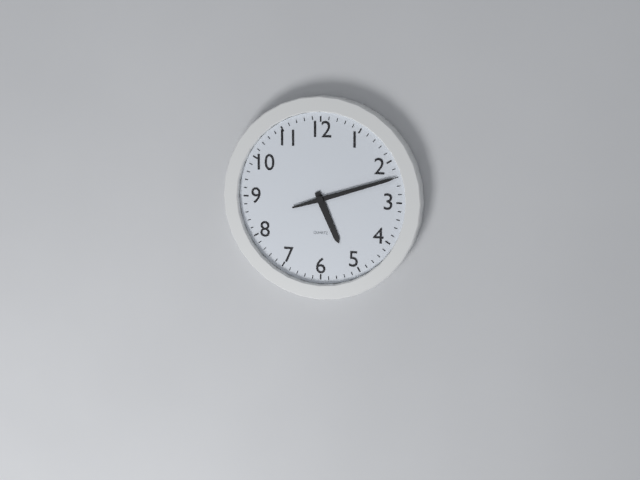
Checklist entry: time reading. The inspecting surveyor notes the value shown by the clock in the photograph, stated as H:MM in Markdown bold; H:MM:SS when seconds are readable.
**5:12**
